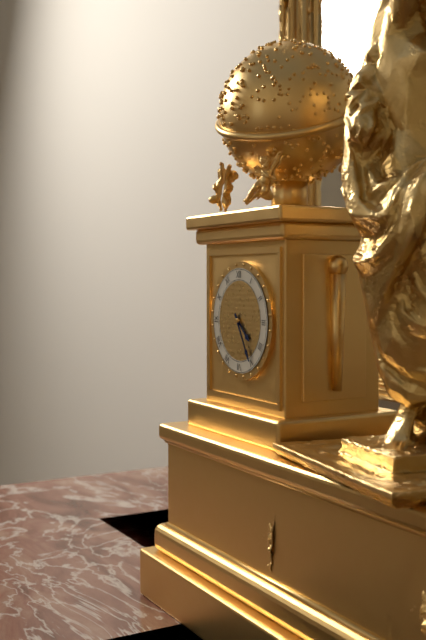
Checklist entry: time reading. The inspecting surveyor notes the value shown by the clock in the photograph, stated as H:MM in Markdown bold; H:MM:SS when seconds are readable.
**4:25**
